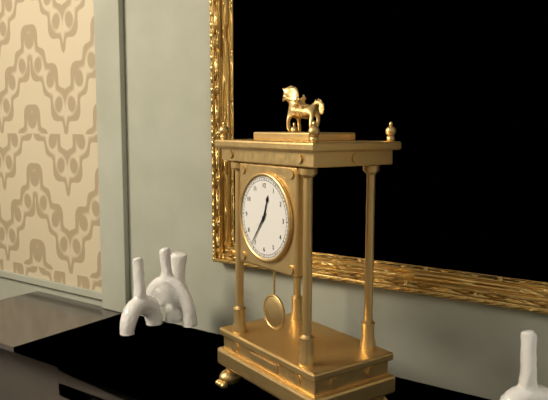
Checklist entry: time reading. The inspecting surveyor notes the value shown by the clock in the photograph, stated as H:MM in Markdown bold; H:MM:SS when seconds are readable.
**12:36**
